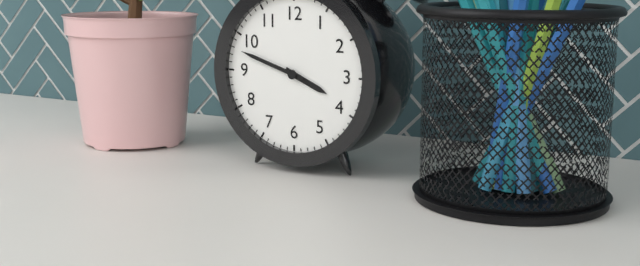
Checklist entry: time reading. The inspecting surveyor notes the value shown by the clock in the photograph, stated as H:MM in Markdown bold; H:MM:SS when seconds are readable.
**3:48**
